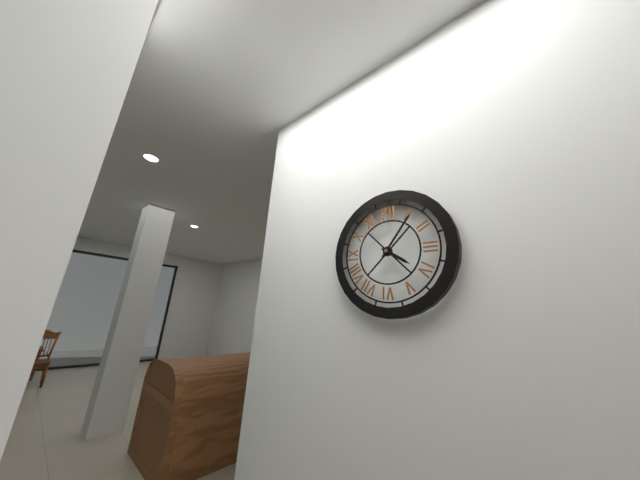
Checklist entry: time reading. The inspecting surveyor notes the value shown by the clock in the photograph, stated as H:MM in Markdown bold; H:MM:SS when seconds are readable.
**4:06**
